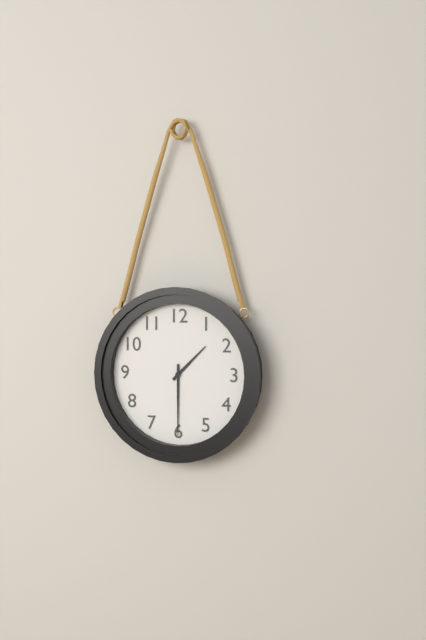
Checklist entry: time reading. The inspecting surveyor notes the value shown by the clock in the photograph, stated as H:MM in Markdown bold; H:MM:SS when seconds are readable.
**1:30**
